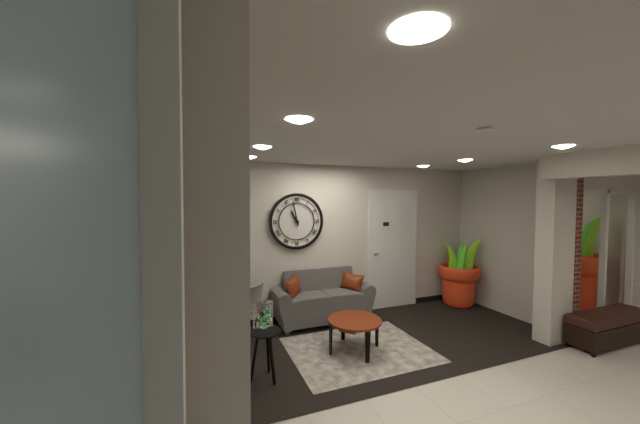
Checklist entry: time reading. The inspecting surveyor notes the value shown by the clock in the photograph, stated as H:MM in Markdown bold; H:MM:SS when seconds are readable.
**10:58**
